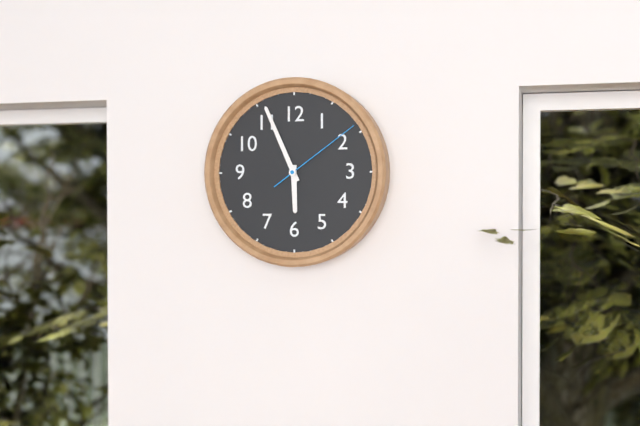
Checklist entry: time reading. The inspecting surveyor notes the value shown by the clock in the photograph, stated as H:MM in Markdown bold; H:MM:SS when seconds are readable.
**5:56:09**
